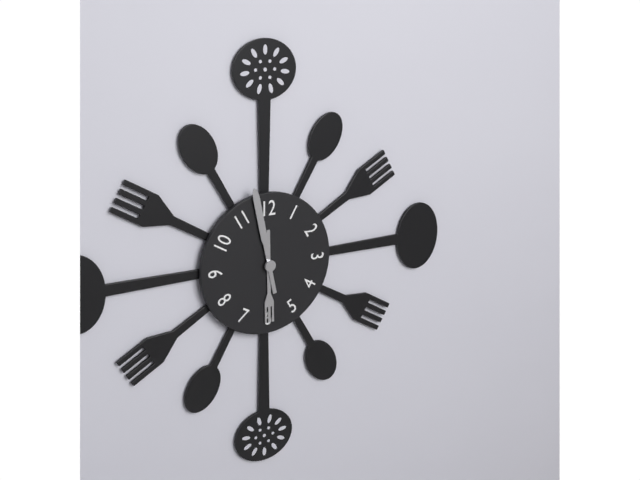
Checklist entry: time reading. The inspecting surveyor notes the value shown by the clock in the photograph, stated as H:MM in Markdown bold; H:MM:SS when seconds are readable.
**5:58**
